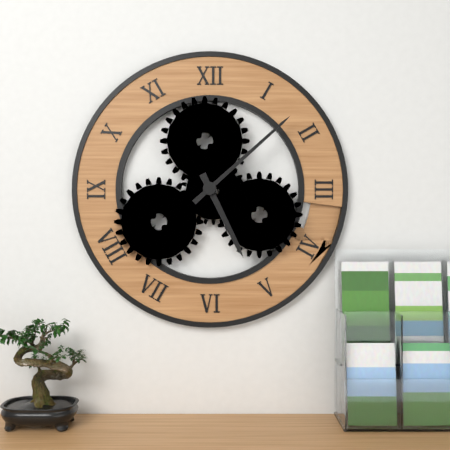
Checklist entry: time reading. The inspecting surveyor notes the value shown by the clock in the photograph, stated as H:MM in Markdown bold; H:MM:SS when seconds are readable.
**5:08**
